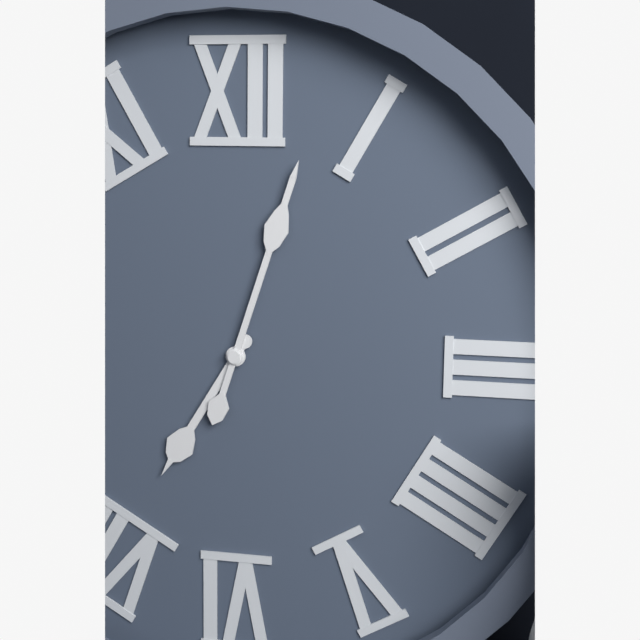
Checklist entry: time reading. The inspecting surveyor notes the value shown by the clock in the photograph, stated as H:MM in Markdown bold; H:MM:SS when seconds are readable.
**7:03**
